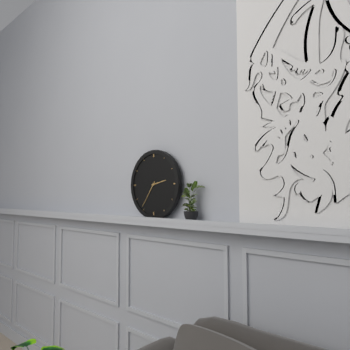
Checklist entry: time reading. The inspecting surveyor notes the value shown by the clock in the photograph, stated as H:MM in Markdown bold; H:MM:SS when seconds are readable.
**2:36**
